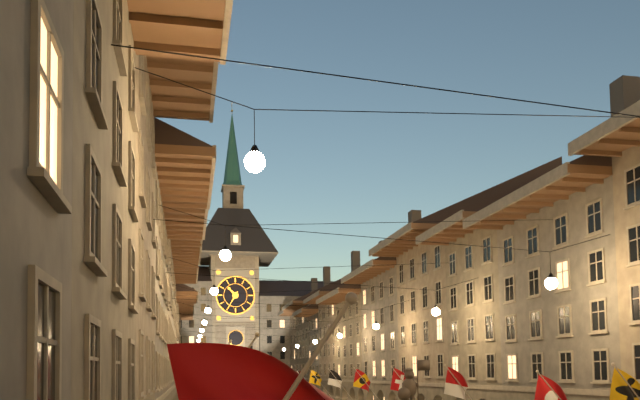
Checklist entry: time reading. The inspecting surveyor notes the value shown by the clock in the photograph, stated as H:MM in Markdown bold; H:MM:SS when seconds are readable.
**10:35**
